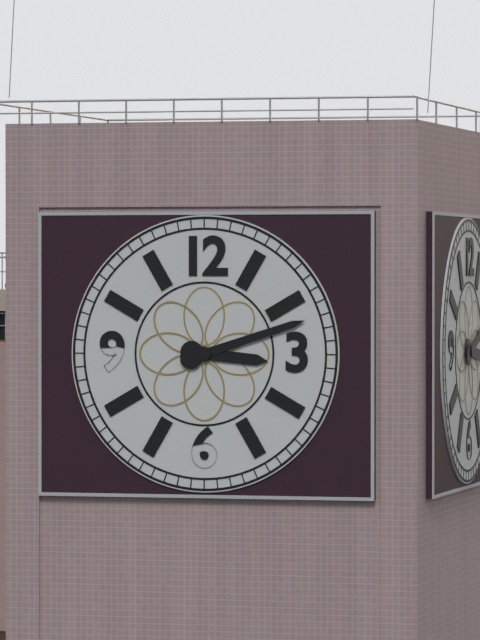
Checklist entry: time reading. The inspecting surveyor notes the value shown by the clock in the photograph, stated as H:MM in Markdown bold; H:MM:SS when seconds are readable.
**3:12**
